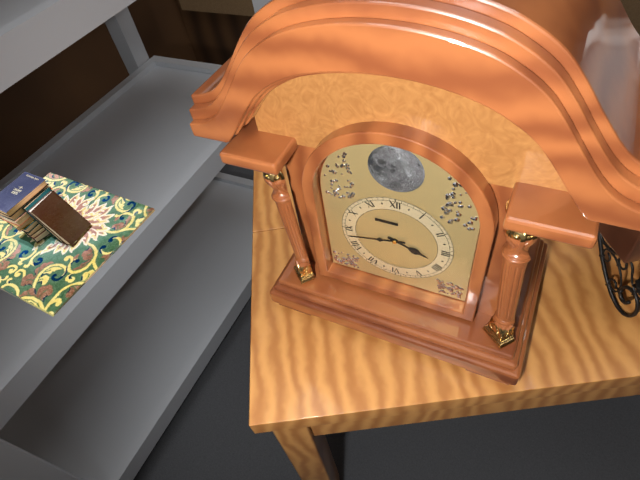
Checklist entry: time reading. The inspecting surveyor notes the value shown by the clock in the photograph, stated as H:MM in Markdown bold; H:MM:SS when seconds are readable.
**3:43**
